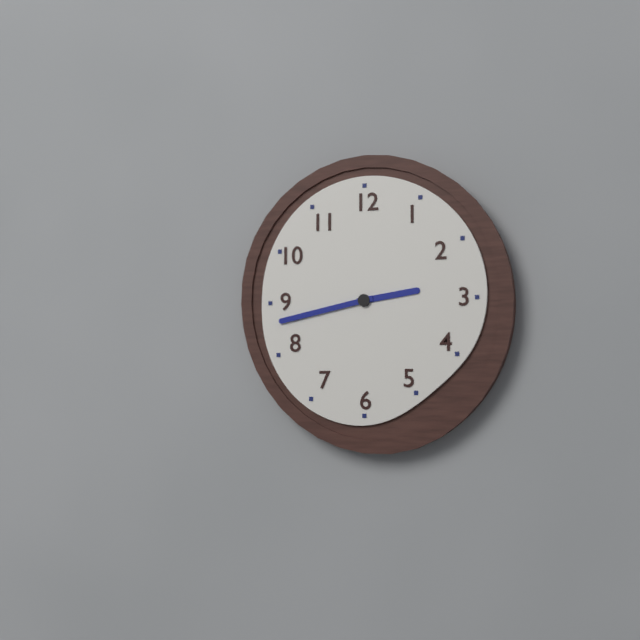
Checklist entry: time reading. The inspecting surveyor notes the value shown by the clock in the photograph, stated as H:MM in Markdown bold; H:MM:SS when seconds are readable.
**2:43**
